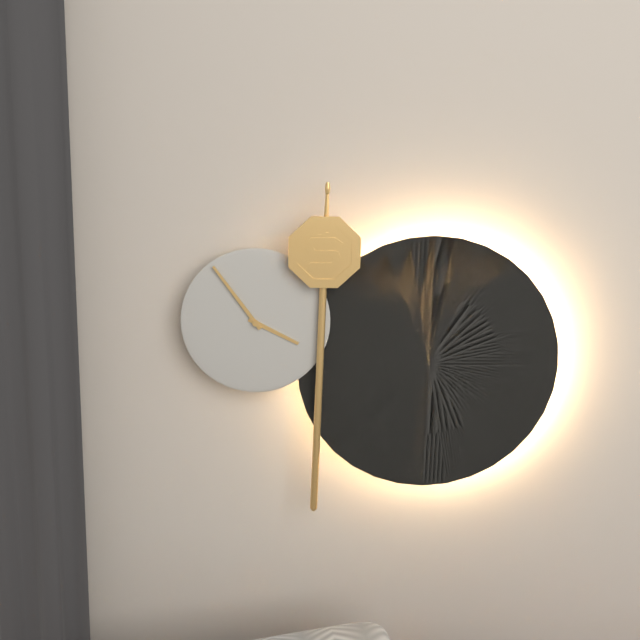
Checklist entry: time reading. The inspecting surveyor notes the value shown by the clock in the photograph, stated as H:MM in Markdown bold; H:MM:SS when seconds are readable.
**3:54**
